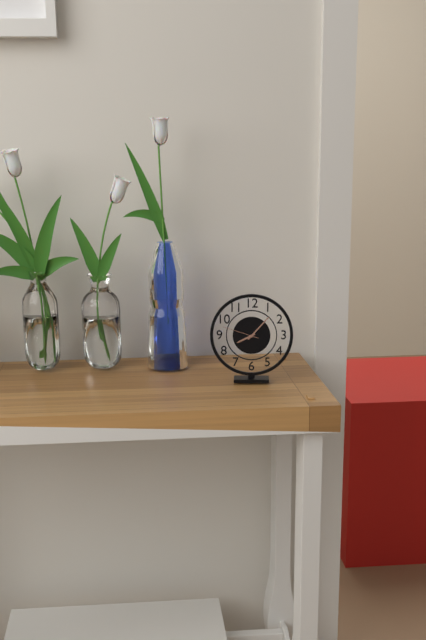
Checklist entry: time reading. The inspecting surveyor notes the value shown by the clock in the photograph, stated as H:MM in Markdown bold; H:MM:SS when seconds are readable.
**8:07**
